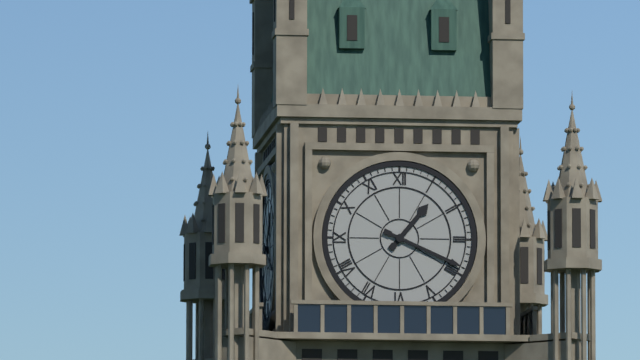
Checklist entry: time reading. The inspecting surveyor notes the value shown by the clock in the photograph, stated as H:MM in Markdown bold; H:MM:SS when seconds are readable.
**1:19**
